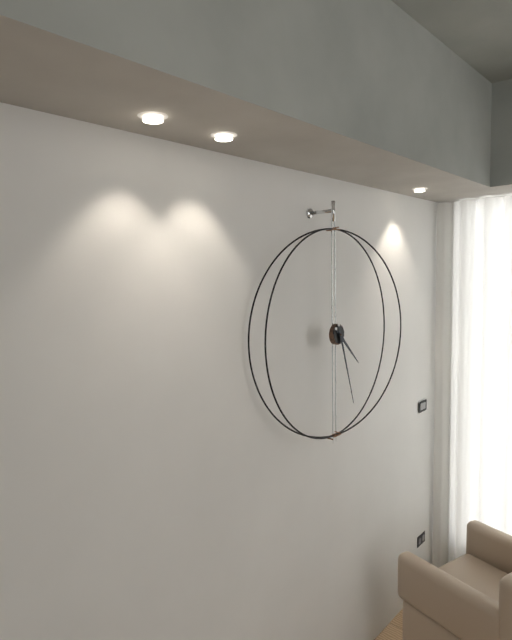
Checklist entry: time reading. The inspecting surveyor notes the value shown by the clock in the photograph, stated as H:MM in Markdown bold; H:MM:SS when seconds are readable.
**4:27**
